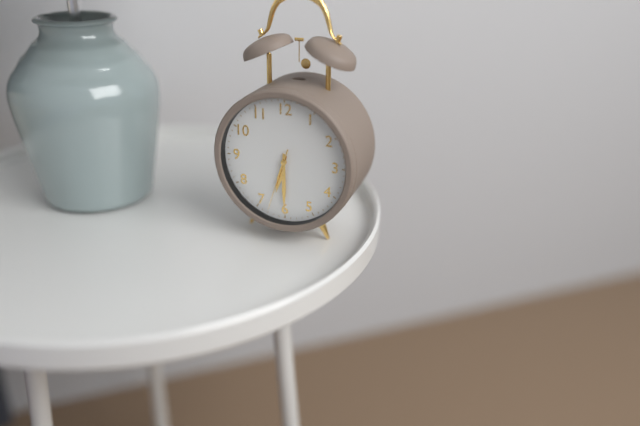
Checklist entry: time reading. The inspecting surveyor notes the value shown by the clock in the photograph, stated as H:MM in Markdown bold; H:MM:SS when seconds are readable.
**6:30:33**
